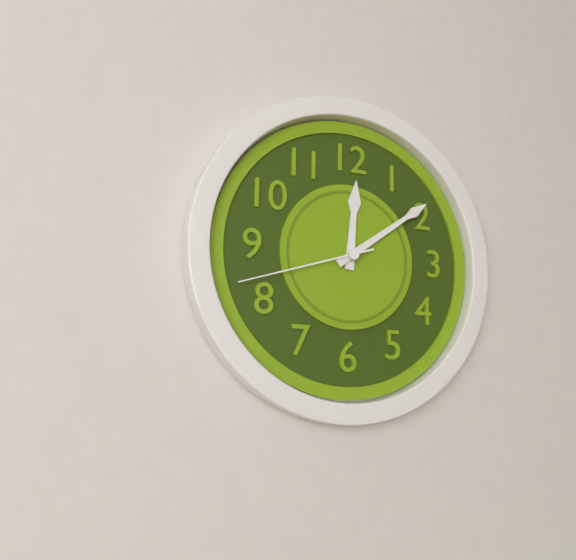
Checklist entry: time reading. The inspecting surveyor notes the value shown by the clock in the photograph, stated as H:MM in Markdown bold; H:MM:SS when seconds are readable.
**12:09:42**
